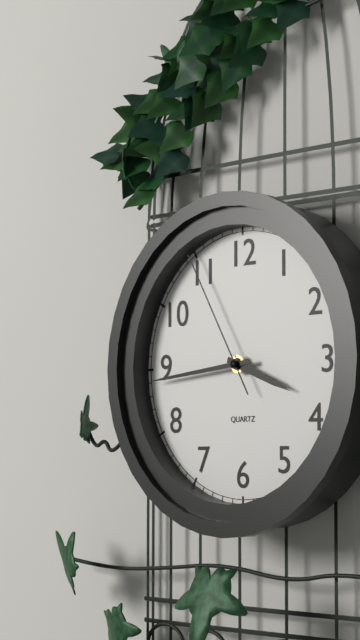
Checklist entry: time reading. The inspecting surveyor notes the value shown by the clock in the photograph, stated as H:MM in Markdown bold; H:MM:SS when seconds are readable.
**3:44:55**
